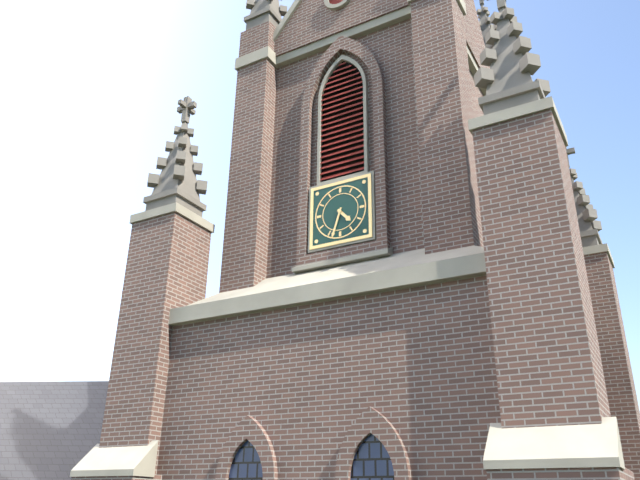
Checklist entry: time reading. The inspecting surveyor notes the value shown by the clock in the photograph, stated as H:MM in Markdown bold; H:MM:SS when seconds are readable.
**4:33**
